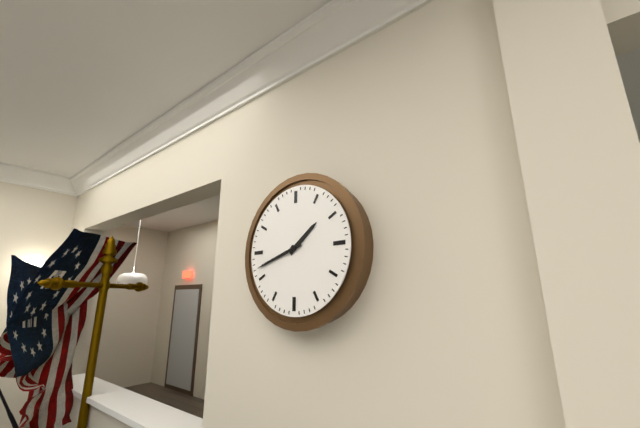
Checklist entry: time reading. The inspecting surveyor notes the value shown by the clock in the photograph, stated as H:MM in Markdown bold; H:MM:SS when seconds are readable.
**1:42**
